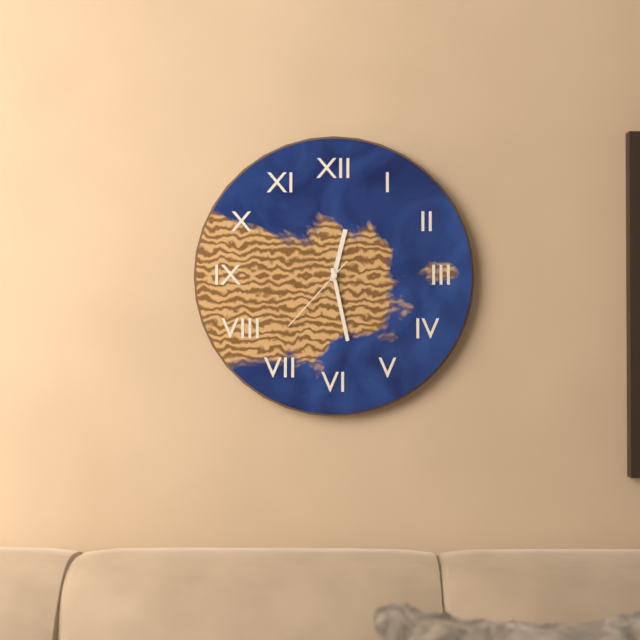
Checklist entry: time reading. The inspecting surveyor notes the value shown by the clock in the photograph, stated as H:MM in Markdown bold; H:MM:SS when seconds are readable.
**12:28:37**
